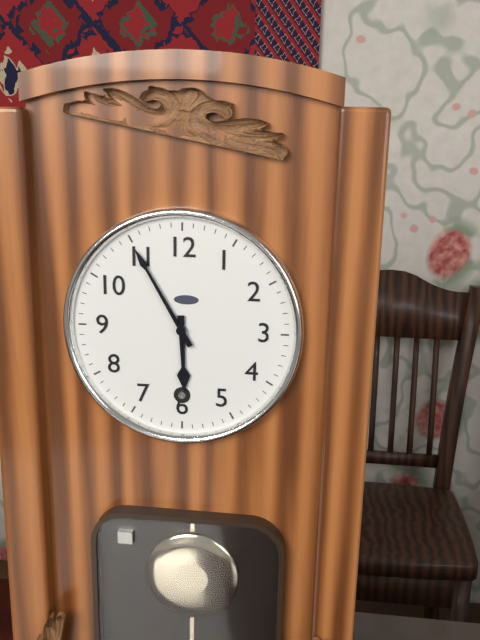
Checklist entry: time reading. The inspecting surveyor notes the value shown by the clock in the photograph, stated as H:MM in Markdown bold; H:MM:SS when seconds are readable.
**5:55**
